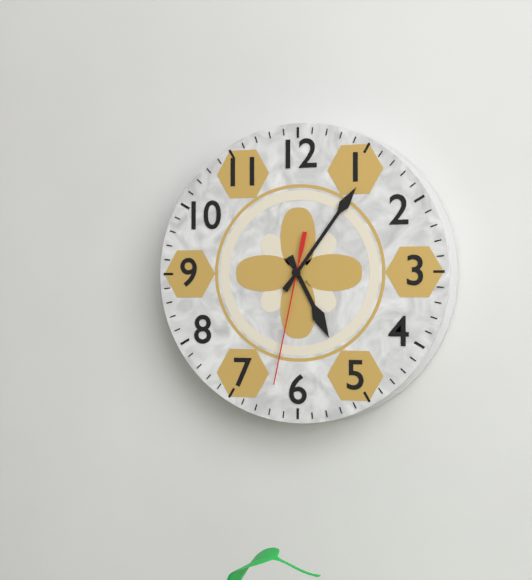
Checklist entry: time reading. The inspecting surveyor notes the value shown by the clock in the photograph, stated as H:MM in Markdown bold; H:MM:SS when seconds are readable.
**5:06:32**
